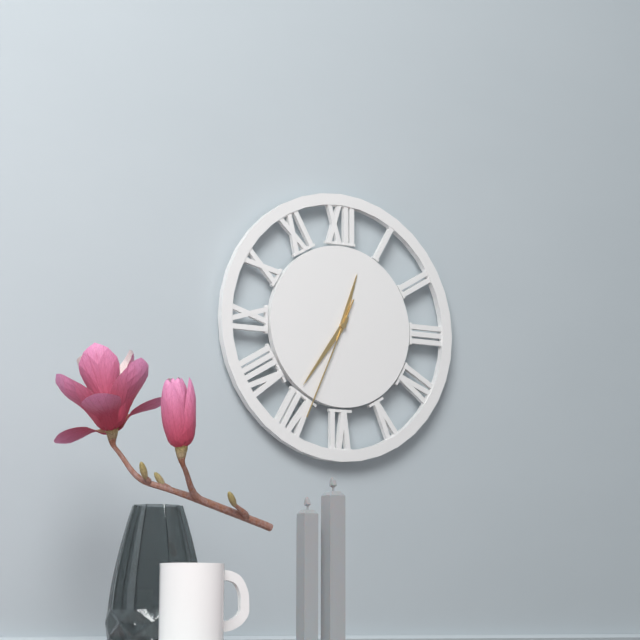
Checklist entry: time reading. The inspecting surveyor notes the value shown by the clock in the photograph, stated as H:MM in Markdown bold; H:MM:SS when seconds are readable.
**12:36:34**
